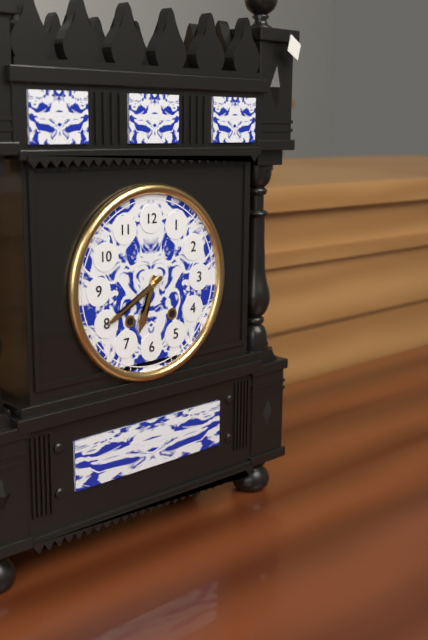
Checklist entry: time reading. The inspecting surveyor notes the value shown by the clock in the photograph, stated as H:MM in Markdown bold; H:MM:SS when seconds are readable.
**6:40**
